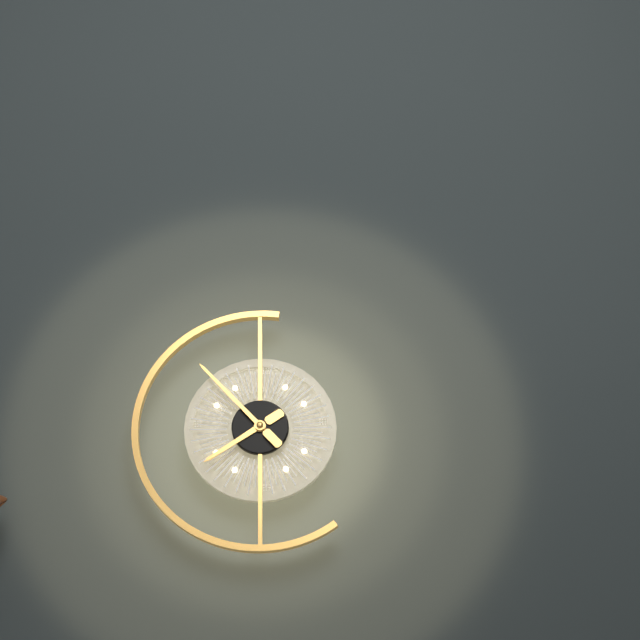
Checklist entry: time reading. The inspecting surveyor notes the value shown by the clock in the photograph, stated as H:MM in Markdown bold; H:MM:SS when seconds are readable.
**7:53**
